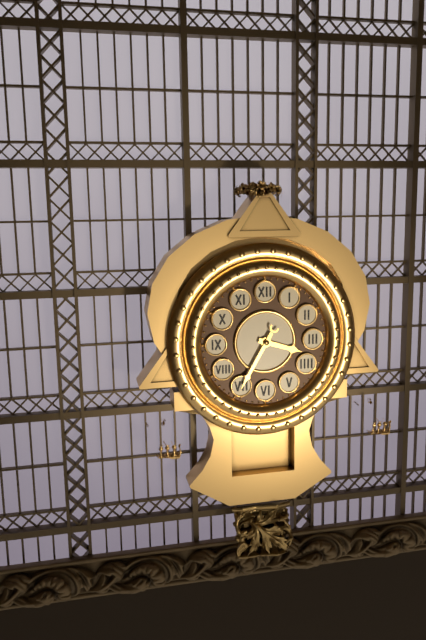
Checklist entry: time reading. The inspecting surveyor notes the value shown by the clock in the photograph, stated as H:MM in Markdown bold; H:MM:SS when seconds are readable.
**3:35**
